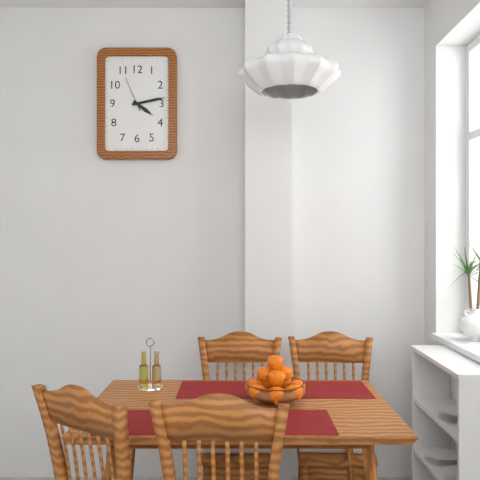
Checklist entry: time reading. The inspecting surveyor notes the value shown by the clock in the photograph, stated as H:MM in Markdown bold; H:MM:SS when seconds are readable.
**4:13**
